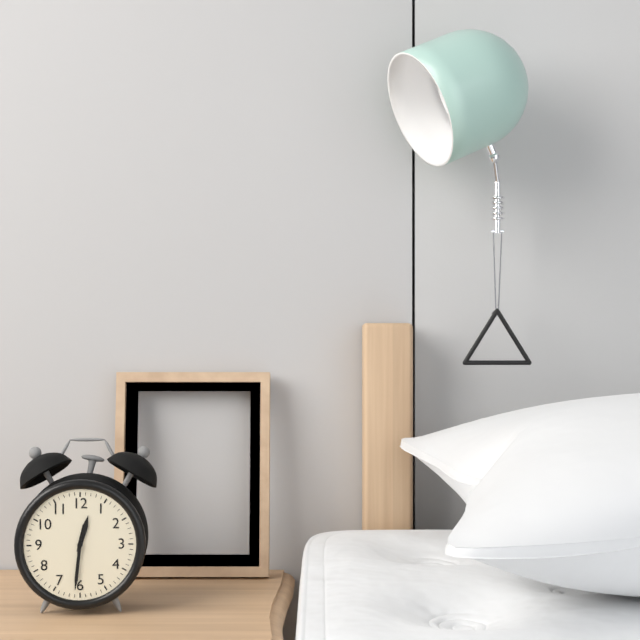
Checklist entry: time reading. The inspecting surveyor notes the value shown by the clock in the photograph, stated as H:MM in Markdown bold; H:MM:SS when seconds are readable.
**12:31**
